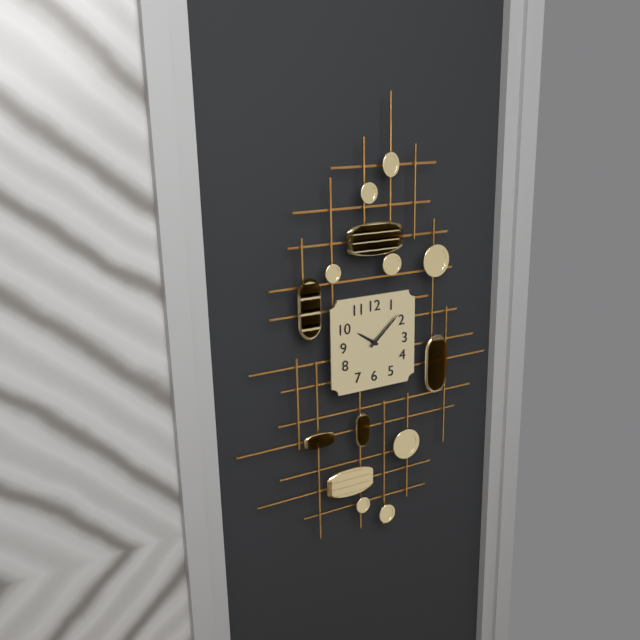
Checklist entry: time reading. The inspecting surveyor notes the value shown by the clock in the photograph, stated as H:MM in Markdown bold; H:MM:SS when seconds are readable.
**10:08**
